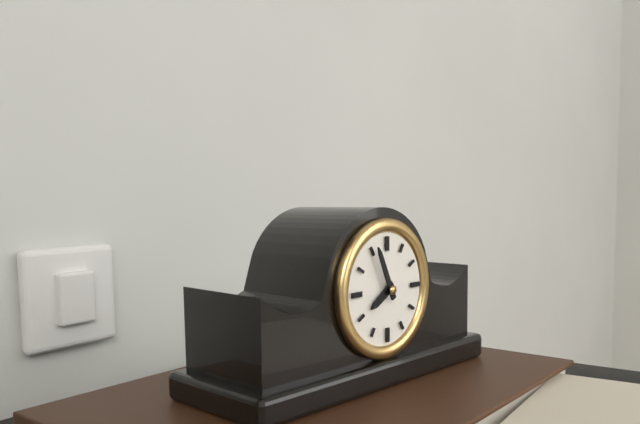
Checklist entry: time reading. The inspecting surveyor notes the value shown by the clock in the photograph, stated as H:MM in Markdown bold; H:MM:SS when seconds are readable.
**7:56**
